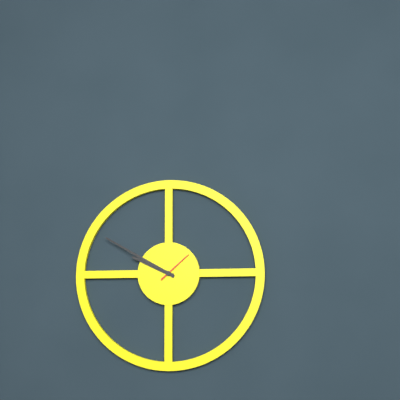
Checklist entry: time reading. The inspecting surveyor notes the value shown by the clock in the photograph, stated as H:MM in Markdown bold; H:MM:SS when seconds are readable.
**9:50**
